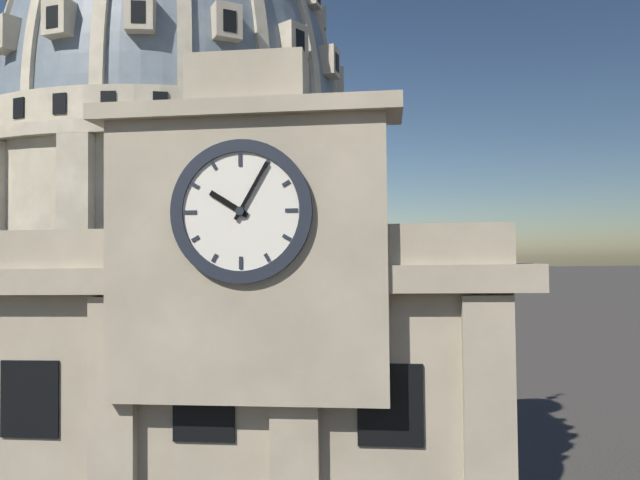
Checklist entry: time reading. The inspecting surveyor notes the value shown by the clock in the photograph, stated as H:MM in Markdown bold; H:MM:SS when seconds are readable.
**10:05**
